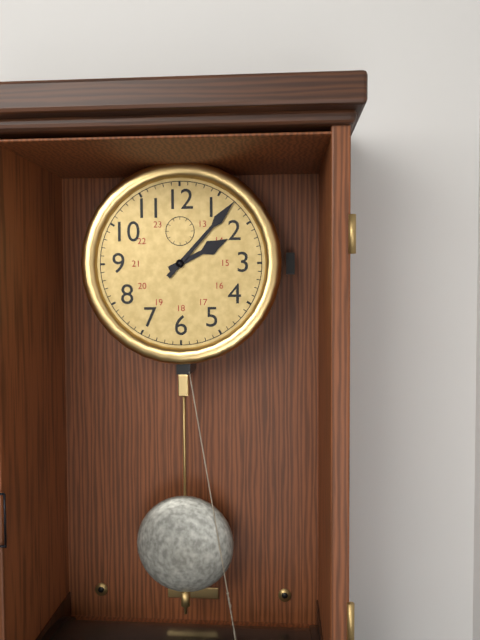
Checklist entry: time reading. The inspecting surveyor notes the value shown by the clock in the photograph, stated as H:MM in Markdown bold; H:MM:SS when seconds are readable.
**2:07**
